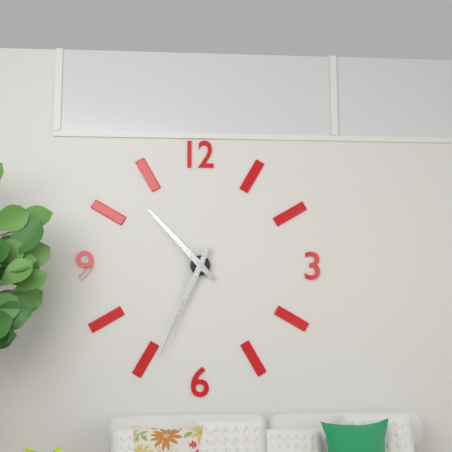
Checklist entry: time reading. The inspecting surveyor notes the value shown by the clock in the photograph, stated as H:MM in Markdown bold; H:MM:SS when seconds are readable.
**10:34**
